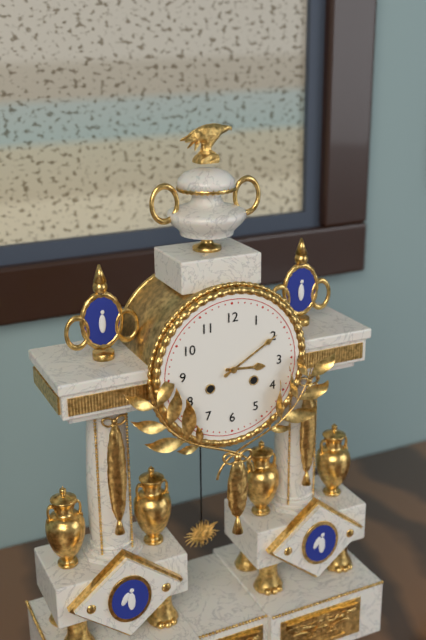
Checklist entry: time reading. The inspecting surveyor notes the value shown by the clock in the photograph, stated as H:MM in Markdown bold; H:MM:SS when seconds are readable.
**3:10**
